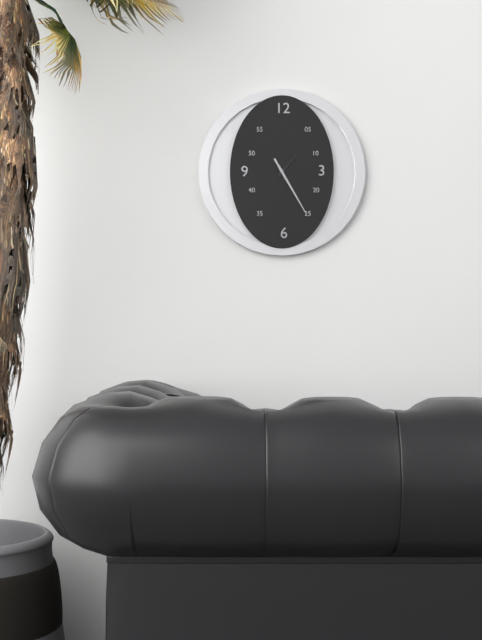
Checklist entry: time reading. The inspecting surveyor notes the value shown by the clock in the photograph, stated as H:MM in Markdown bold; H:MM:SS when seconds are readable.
**1:25**
